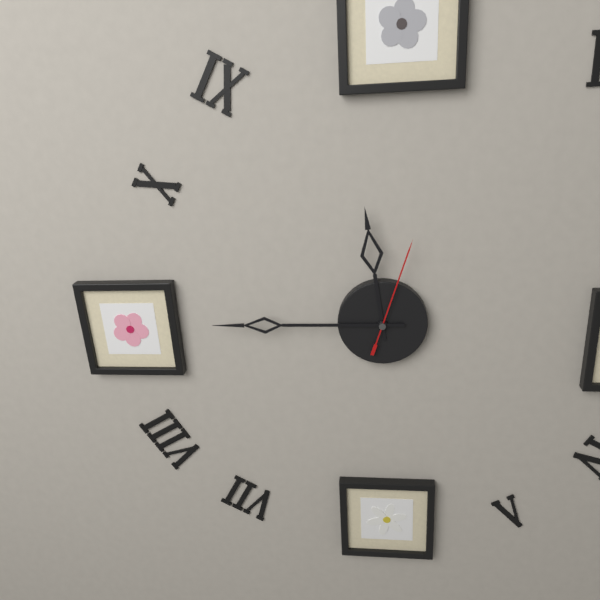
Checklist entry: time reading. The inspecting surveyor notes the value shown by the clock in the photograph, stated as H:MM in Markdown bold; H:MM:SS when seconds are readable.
**11:45:03**
